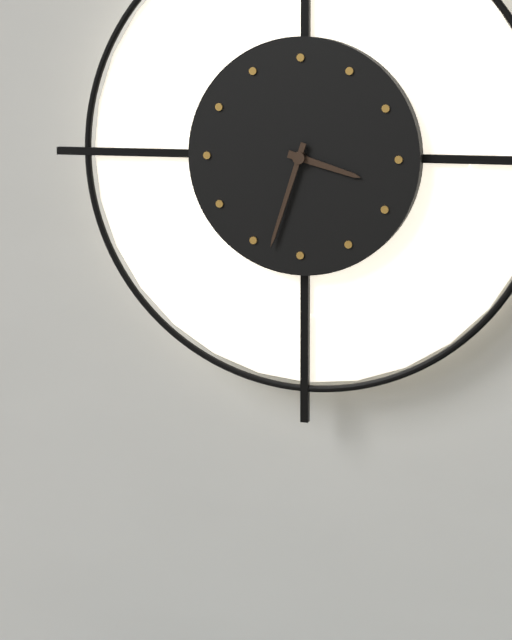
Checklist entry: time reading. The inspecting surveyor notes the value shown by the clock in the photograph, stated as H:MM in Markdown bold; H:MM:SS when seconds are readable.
**3:33**
